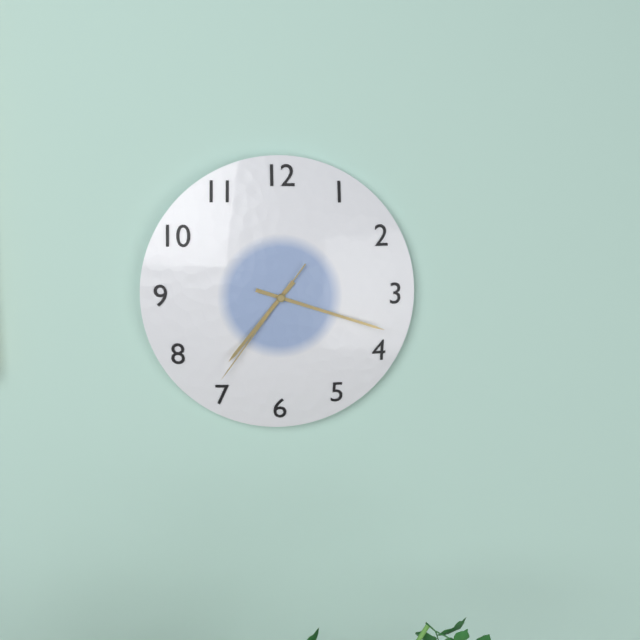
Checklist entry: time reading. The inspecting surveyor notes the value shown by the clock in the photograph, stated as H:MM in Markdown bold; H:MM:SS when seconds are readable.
**7:18:36**
